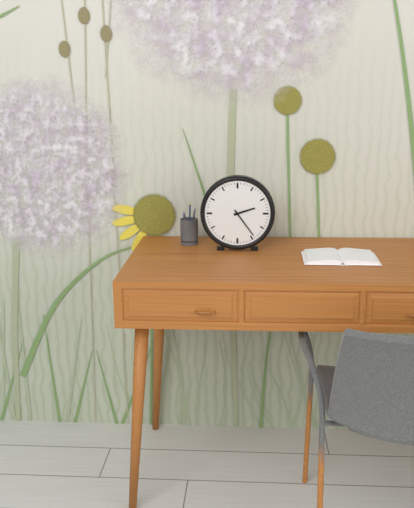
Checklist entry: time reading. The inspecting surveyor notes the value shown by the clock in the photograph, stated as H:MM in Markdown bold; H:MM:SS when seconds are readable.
**2:24**
